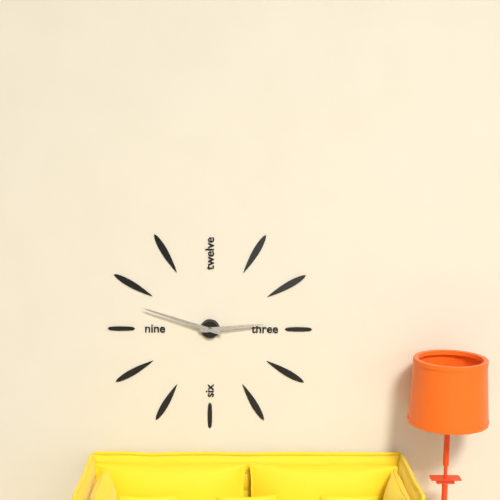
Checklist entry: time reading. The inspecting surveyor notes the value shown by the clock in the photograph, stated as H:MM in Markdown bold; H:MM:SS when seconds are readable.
**2:48**
